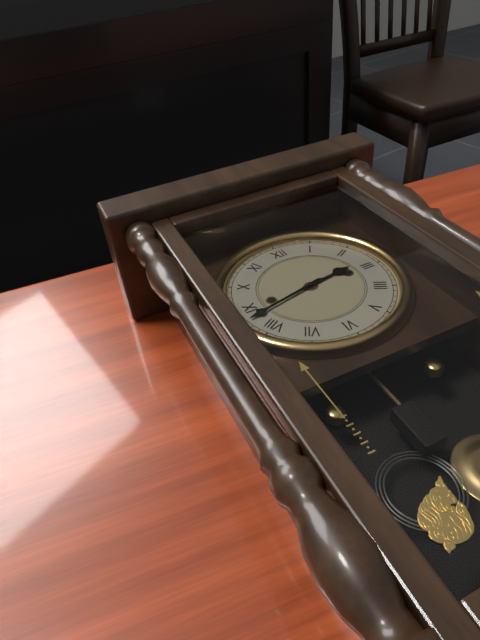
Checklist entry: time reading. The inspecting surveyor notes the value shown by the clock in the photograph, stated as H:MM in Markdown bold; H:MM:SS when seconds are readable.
**2:43**
